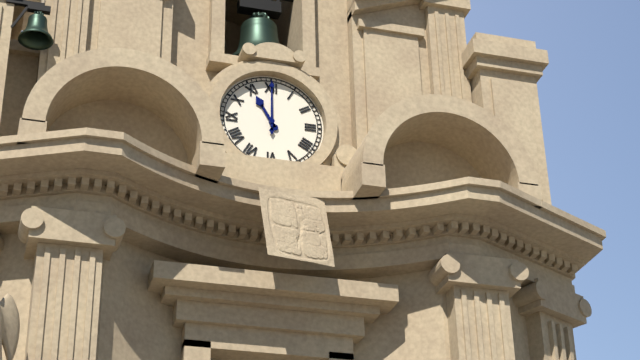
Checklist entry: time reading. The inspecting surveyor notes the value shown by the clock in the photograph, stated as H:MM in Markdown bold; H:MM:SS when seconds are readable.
**11:00**
